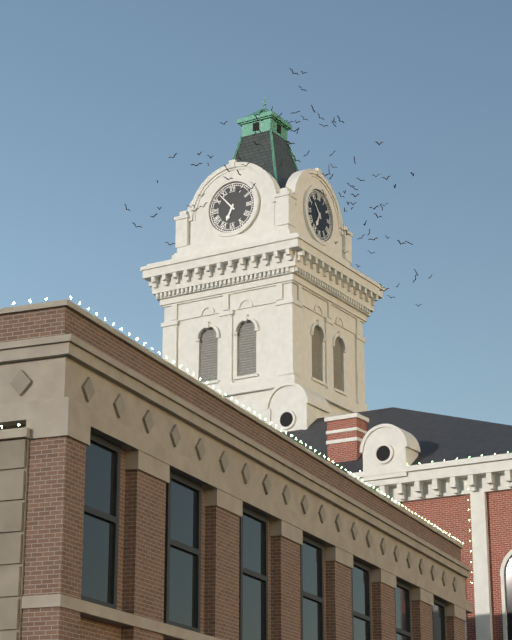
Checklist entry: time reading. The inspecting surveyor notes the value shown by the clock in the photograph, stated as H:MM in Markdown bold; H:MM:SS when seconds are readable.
**6:53**
